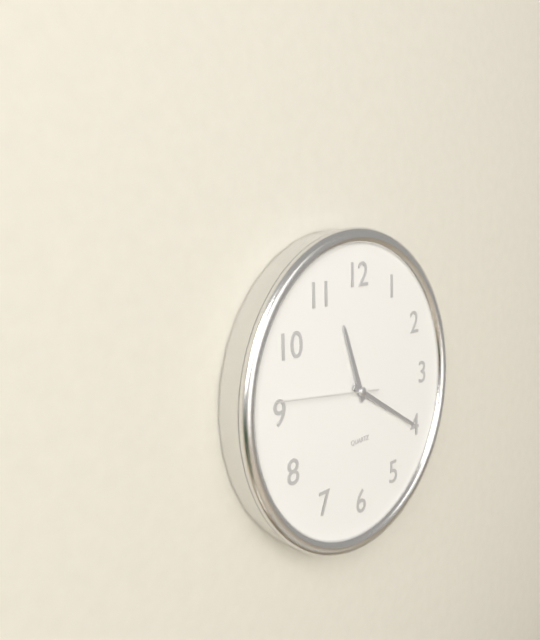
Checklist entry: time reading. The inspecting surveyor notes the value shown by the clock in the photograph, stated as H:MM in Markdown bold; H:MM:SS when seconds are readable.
**11:20:46**
